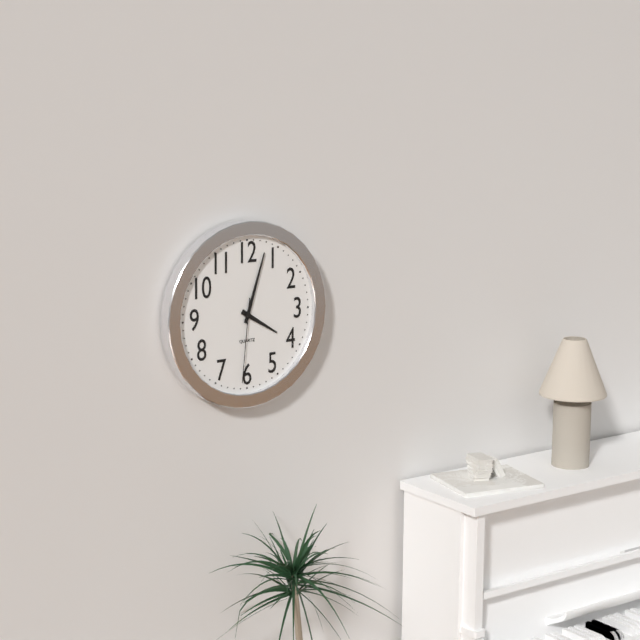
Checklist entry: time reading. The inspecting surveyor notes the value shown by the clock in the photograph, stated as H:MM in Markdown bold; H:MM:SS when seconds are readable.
**4:03:31**
